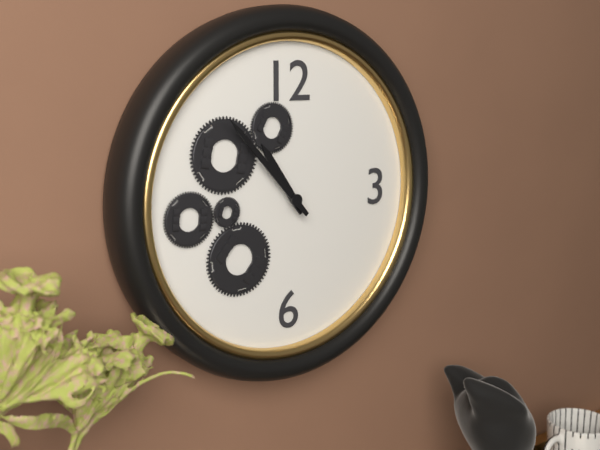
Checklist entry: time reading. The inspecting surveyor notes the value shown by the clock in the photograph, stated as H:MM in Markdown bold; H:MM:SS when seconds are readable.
**10:53**
